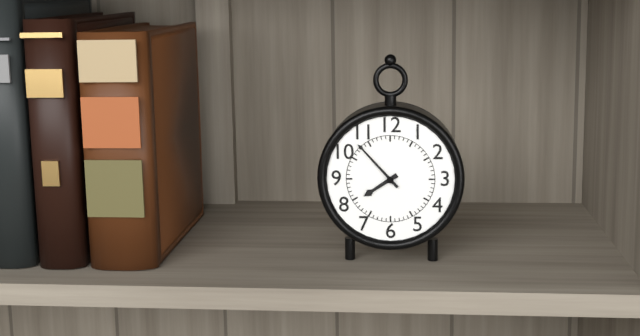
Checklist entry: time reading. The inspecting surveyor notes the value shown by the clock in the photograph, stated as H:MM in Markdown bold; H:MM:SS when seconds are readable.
**7:53**
